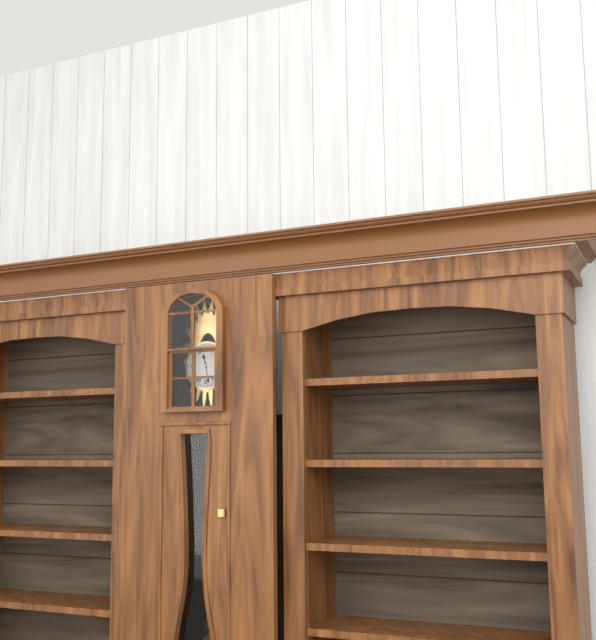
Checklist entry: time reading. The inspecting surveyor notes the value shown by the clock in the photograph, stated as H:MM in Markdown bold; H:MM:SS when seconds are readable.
**11:28**
